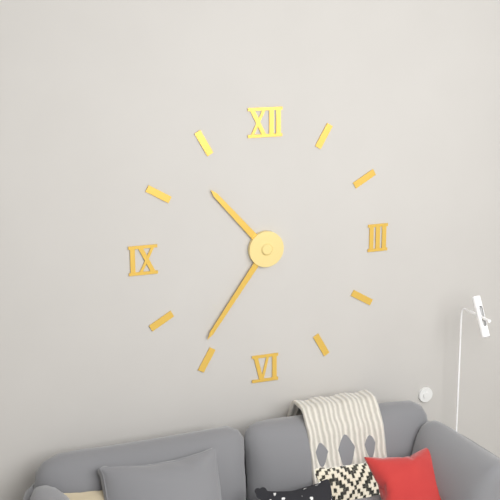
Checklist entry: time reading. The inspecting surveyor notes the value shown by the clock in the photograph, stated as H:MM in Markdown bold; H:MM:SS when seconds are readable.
**10:36**
